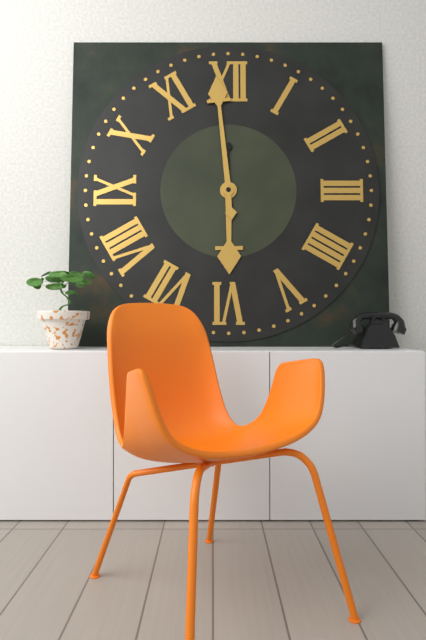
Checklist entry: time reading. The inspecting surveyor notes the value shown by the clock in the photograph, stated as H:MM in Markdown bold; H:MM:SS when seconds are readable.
**5:59**
